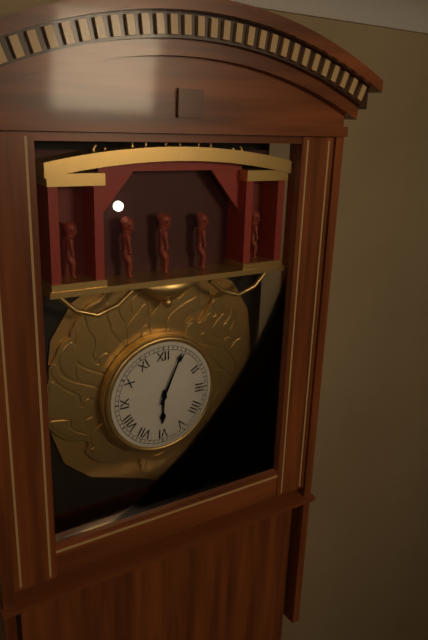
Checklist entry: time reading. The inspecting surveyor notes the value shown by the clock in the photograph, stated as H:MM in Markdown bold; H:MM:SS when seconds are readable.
**6:04**
